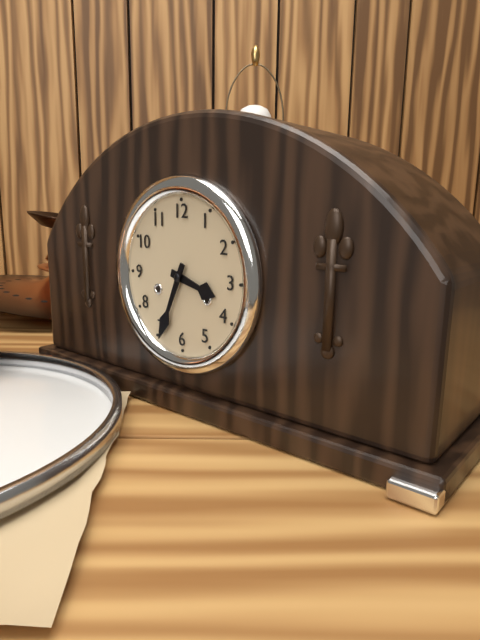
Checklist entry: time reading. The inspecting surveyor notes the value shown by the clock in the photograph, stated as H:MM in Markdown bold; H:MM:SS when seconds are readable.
**3:34**
